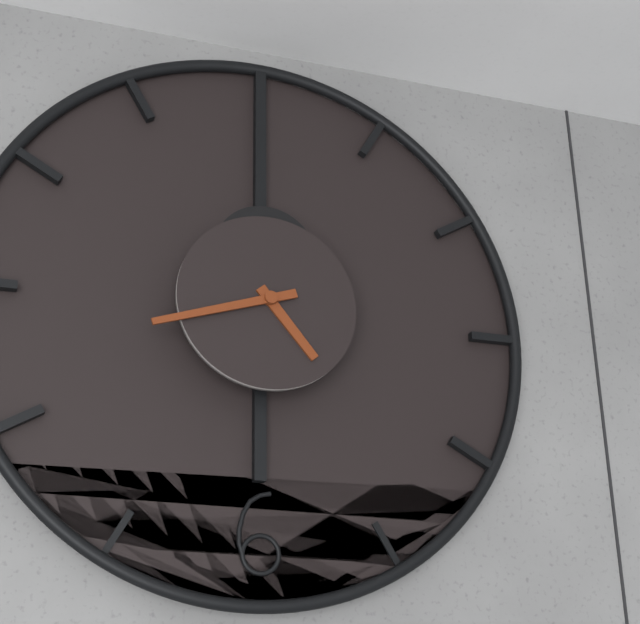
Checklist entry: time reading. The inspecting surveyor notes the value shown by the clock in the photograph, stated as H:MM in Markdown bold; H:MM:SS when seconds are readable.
**4:42**
